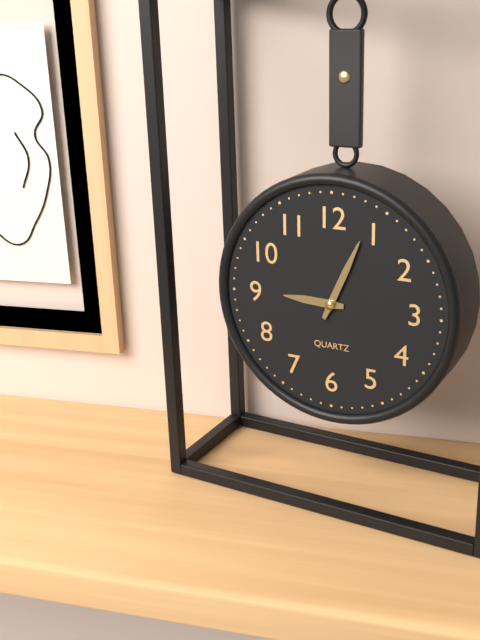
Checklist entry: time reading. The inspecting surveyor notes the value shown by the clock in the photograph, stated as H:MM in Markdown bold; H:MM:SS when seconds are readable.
**9:04**
